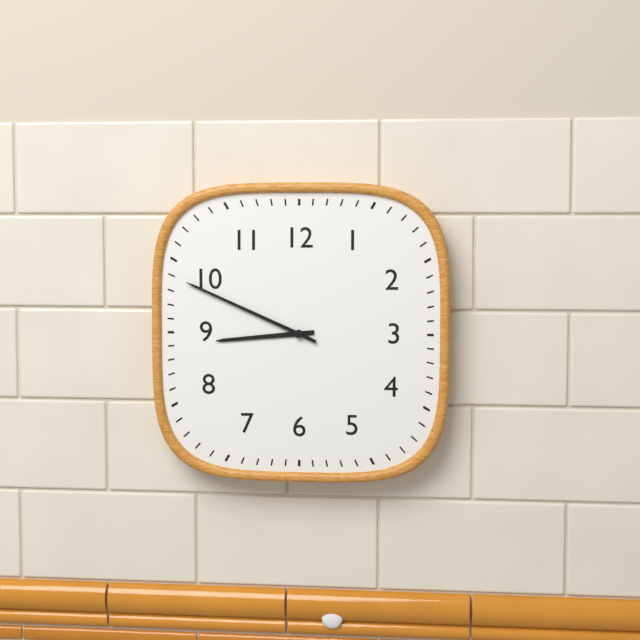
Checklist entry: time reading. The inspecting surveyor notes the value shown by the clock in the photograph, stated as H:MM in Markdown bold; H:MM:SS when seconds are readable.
**8:49**
